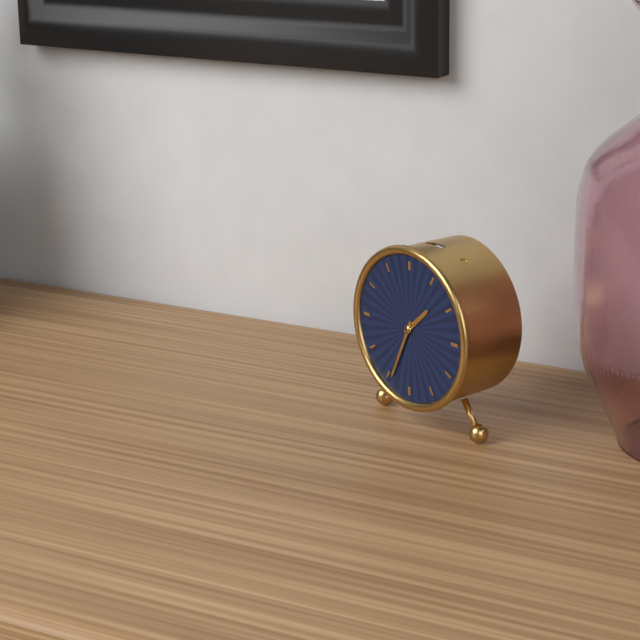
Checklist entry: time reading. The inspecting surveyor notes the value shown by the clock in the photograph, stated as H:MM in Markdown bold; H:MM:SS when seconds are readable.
**1:34**
